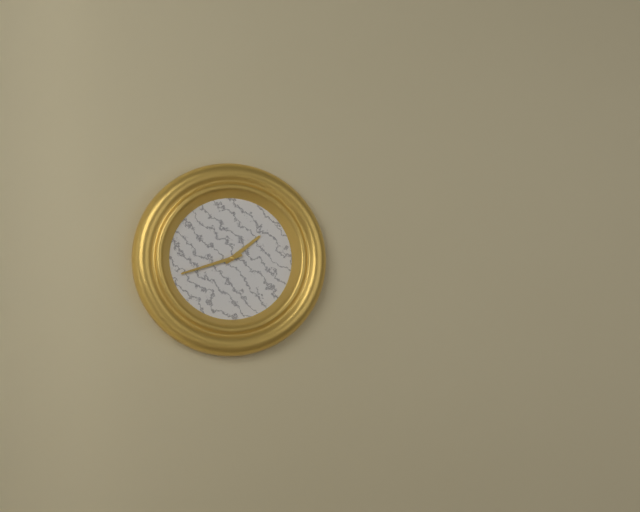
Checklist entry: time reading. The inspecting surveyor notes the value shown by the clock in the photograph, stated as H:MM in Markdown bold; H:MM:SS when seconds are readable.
**1:42**
